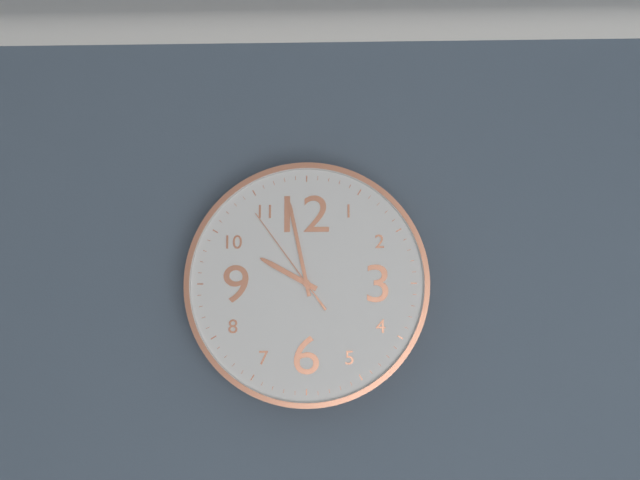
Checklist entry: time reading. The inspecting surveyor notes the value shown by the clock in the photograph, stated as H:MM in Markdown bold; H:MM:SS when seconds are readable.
**9:58:54**
